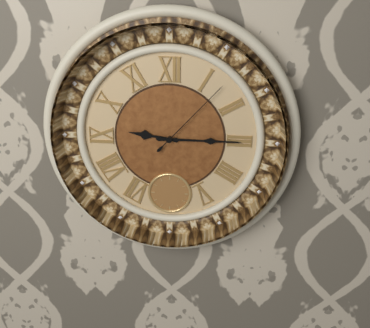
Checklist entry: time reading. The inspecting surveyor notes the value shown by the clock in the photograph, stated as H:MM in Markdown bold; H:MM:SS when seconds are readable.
**9:15:07**
